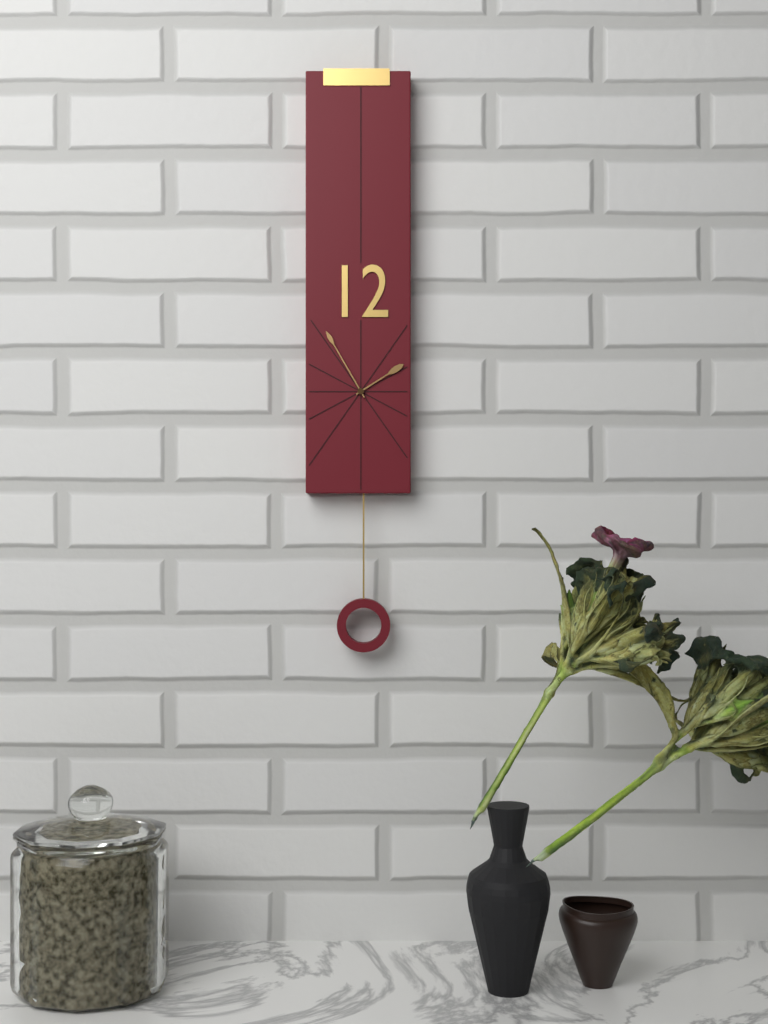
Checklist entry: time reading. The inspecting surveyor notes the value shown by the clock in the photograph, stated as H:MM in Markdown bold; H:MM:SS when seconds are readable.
**1:55**
